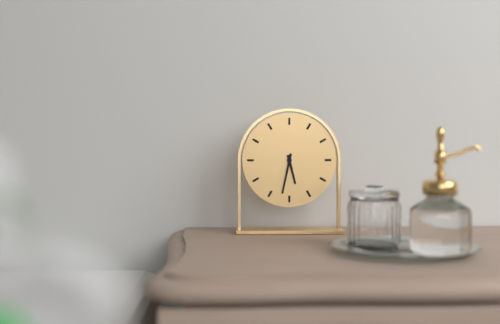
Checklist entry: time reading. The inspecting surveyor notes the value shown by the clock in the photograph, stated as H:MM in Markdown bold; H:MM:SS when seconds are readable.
**5:32**
